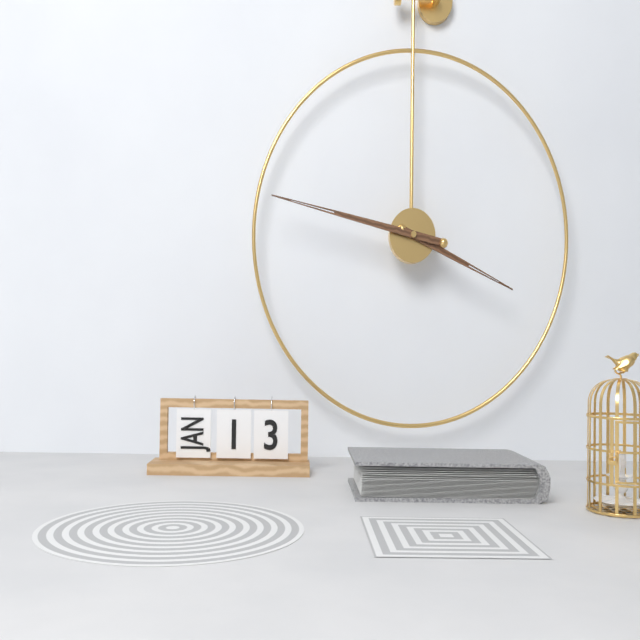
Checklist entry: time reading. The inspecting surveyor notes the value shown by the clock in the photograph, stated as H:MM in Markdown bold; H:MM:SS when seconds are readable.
**3:47**
